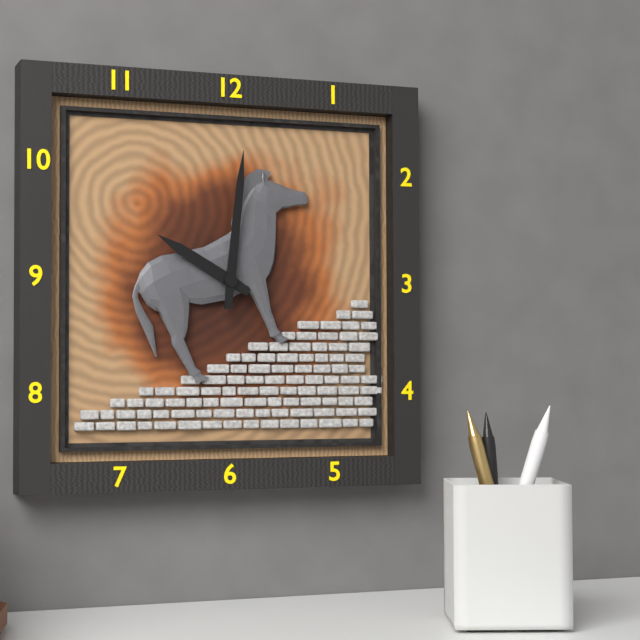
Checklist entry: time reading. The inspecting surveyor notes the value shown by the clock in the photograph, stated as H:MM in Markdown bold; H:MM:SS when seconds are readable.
**10:01**
